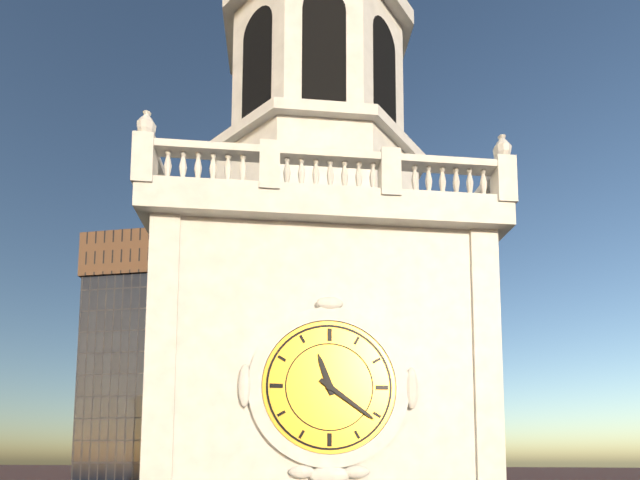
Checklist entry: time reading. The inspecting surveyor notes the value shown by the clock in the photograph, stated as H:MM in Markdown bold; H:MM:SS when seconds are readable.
**11:21**
